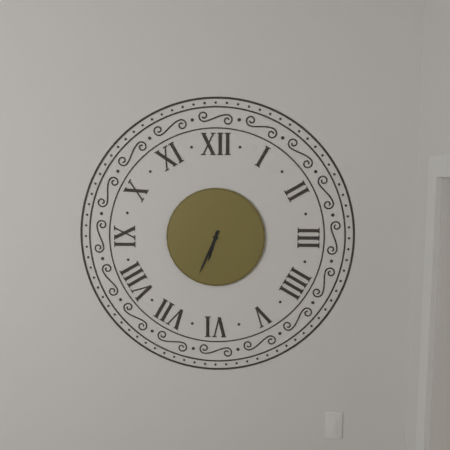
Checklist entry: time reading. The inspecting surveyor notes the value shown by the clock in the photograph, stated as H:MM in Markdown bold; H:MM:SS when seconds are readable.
**6:34**
